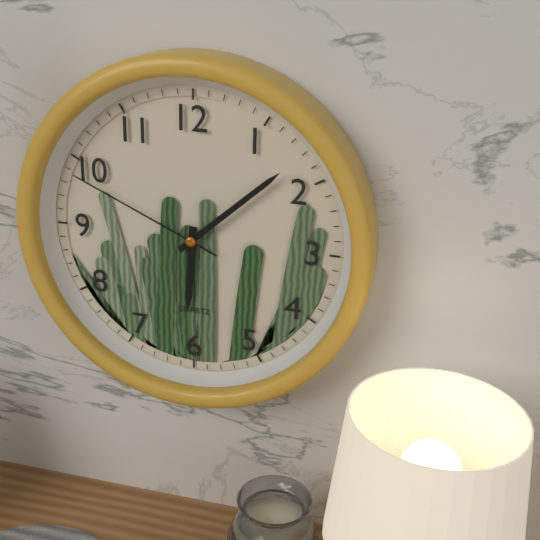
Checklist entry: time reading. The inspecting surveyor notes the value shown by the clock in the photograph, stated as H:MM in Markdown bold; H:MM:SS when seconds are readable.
**6:08:49**
